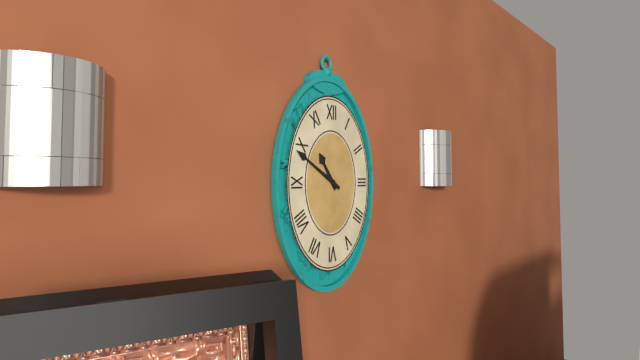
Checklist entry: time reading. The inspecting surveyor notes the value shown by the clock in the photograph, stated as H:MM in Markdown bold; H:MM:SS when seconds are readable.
**10:50**
